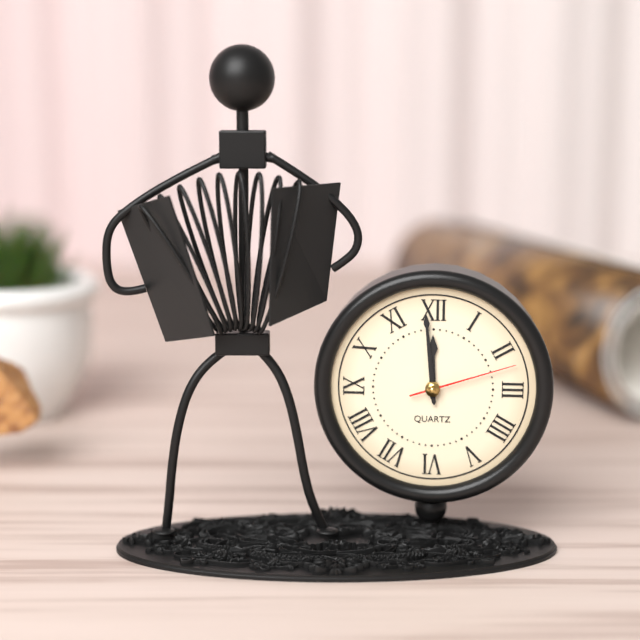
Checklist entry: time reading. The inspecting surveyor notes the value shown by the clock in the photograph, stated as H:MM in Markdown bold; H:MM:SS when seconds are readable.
**11:59:12**
